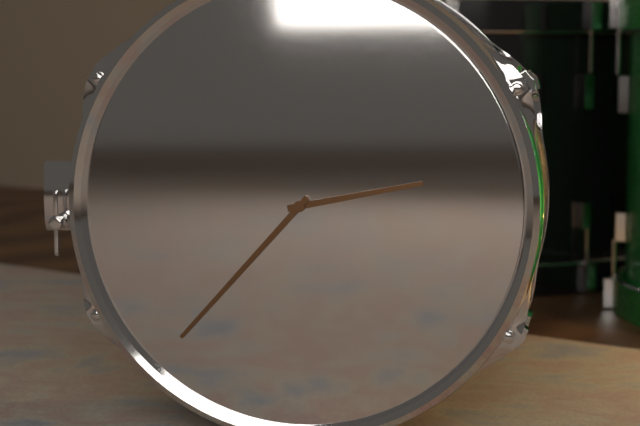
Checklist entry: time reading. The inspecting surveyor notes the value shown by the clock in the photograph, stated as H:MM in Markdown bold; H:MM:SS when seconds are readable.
**2:37**
